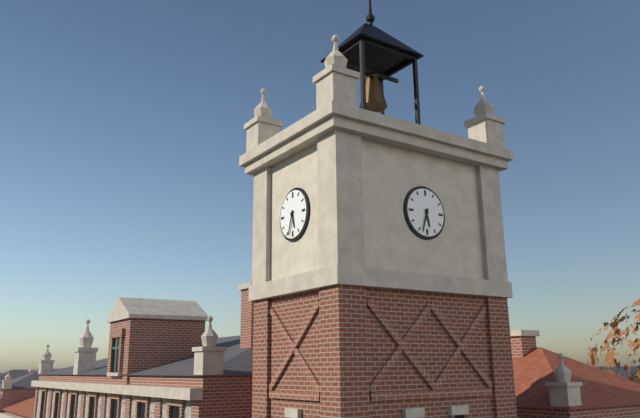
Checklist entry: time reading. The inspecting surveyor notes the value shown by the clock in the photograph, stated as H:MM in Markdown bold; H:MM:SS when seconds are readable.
**5:33**
